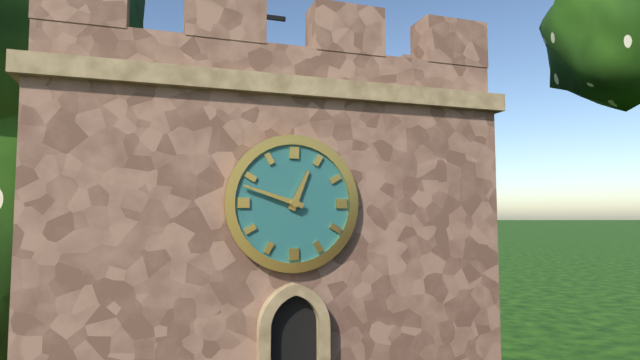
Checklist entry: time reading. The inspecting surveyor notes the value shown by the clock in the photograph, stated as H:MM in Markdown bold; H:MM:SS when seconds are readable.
**12:48**
